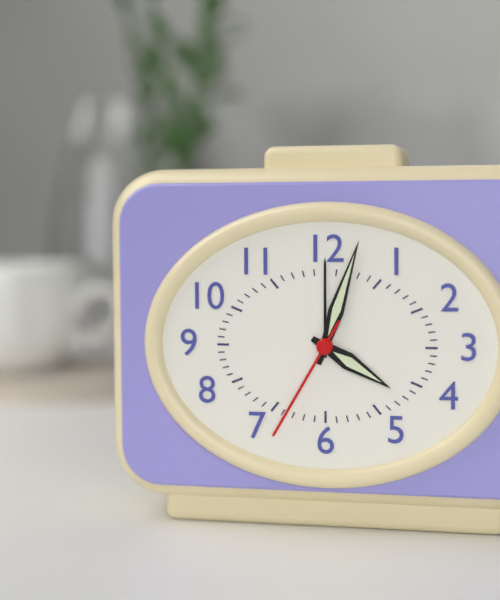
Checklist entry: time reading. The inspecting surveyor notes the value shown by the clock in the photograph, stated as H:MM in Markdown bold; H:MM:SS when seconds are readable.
**4:03:35**
